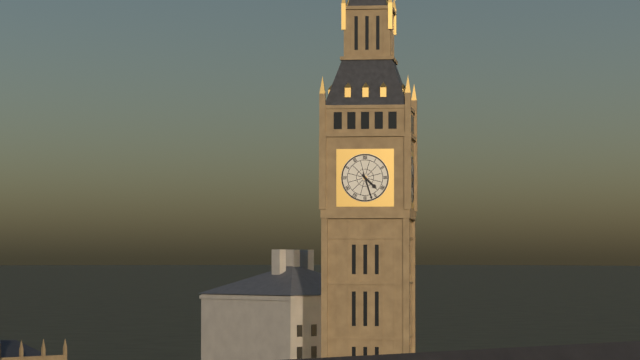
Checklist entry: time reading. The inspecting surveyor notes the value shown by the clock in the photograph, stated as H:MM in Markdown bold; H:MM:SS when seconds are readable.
**4:27**
